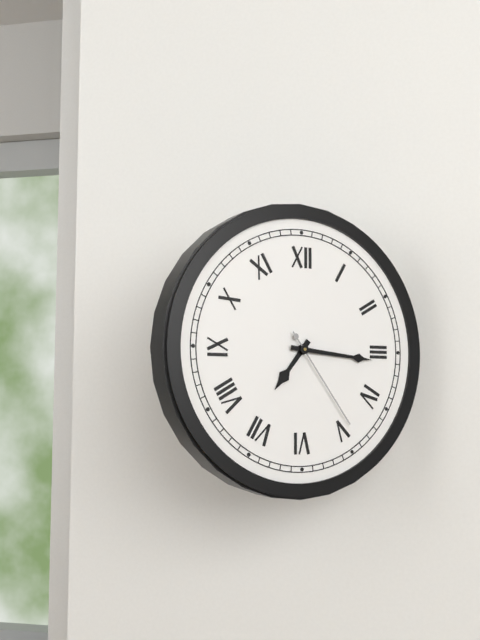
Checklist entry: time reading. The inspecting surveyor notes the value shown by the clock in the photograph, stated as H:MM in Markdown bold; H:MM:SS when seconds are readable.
**7:16:24**
